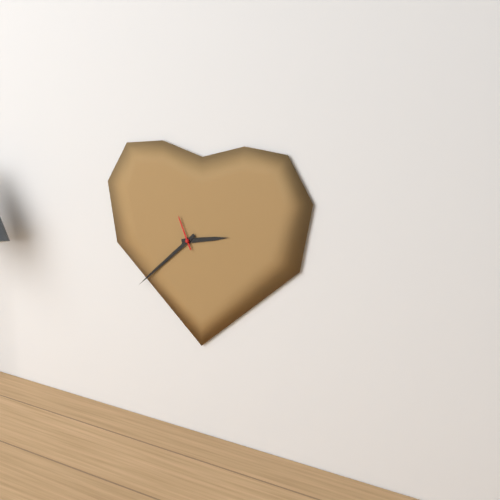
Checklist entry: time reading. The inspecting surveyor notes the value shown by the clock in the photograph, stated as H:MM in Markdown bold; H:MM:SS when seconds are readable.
**2:38**
